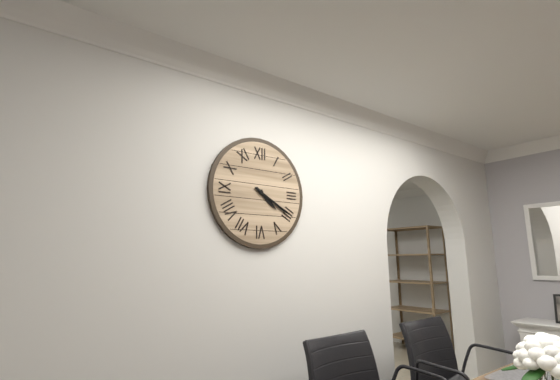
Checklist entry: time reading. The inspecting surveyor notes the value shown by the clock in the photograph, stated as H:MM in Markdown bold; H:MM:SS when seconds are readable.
**4:20**
